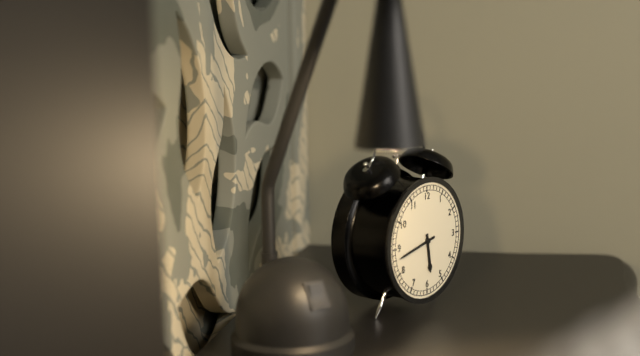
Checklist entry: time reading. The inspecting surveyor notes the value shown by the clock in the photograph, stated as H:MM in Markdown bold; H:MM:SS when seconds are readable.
**5:43**
